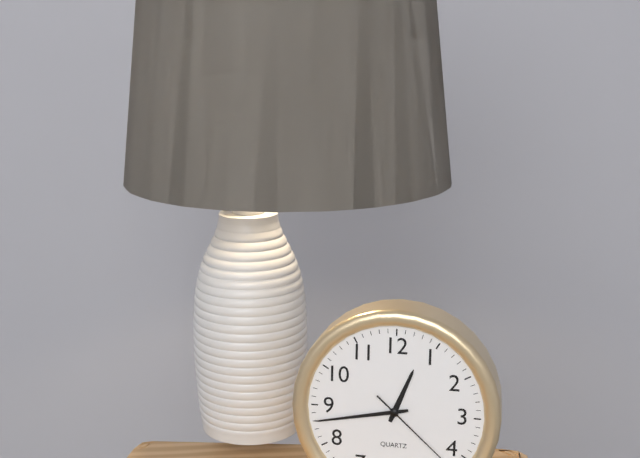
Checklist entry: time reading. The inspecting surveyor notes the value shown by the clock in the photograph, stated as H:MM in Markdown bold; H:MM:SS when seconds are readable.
**12:43**
